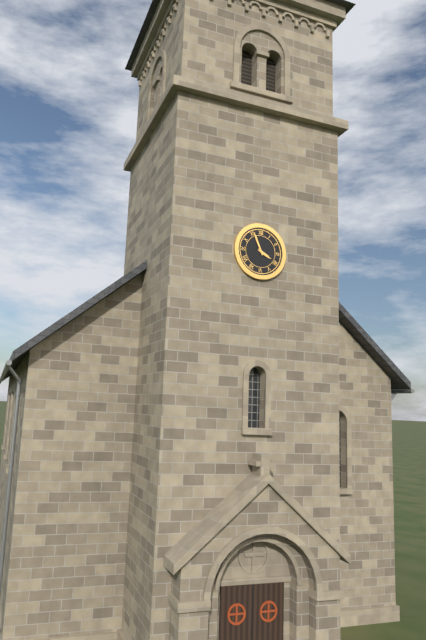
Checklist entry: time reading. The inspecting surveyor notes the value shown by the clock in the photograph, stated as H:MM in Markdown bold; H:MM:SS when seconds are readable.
**3:56**
